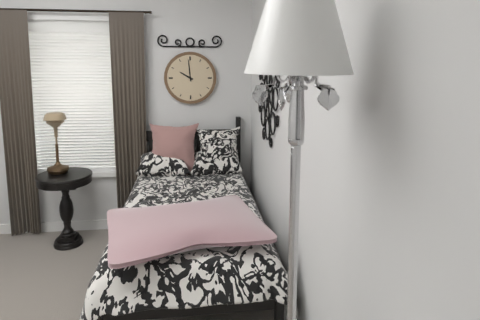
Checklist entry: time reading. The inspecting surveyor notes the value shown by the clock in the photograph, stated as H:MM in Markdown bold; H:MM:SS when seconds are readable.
**9:59**
